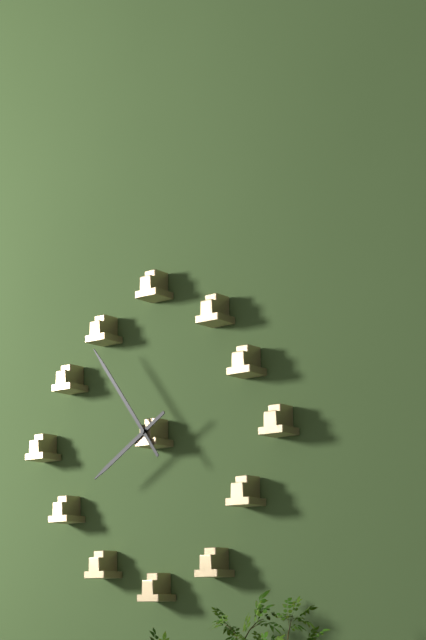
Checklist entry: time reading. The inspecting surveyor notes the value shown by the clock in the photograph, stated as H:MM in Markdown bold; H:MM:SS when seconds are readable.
**7:54**
